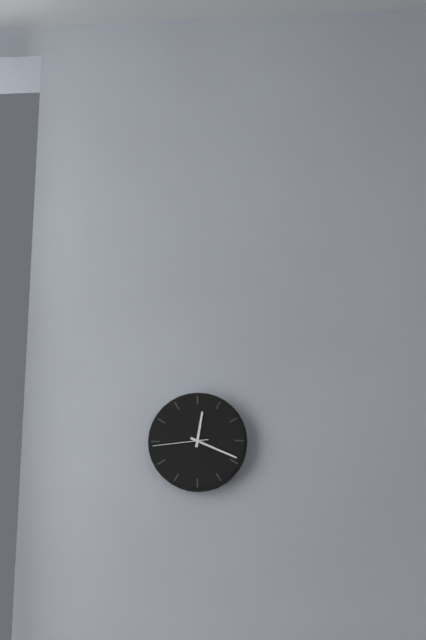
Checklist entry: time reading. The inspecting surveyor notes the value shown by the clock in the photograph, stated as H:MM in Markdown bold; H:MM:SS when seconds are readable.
**12:19:44**
